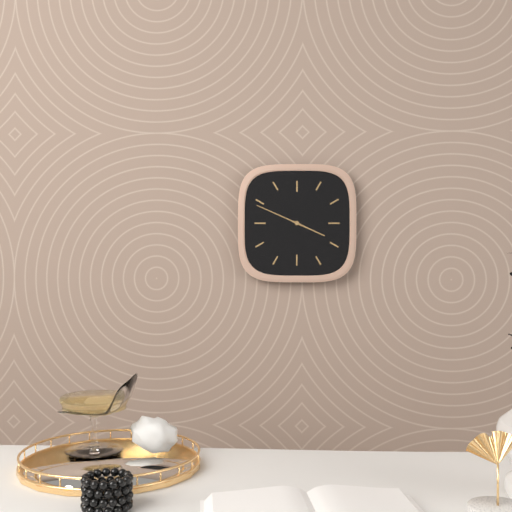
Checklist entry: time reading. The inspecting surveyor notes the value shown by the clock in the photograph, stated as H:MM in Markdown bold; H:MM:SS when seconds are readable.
**3:49**
